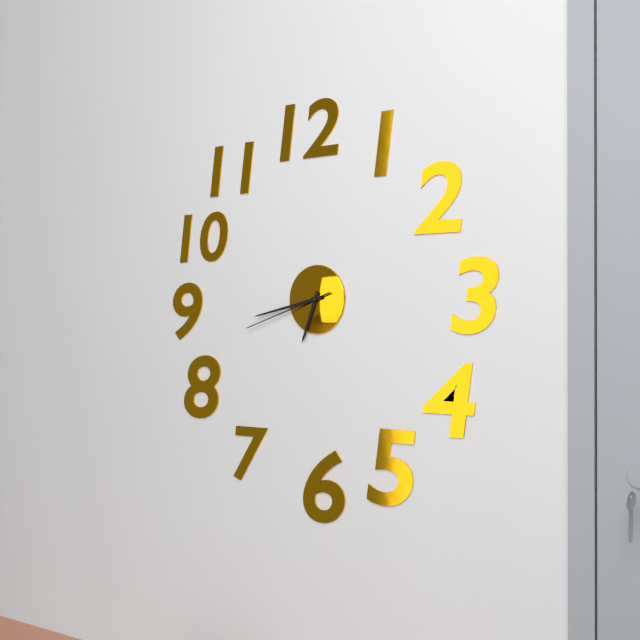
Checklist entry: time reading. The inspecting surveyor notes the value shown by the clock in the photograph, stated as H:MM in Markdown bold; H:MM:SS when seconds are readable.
**6:43:42**
